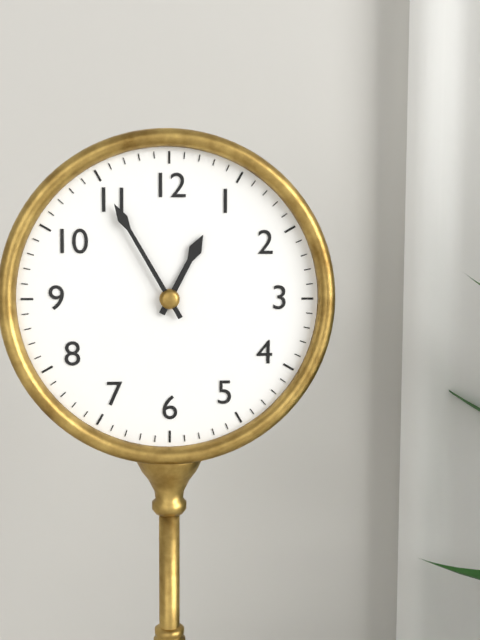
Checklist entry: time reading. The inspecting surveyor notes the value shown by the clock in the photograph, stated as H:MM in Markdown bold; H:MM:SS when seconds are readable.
**12:55**
